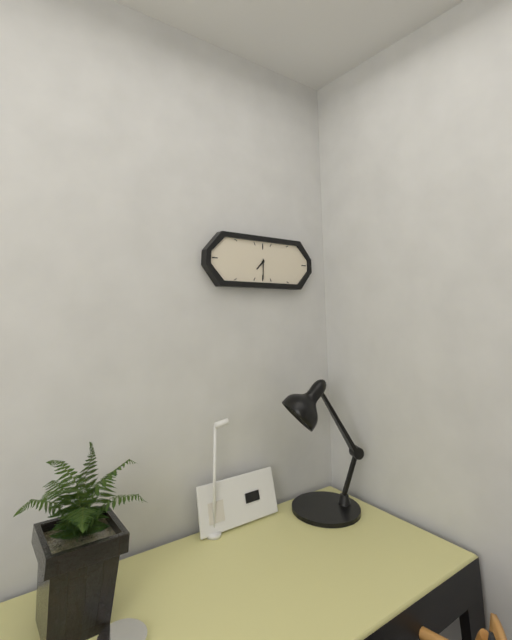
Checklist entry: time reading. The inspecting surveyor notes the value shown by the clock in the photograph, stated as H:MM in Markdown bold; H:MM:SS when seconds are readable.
**7:30**
